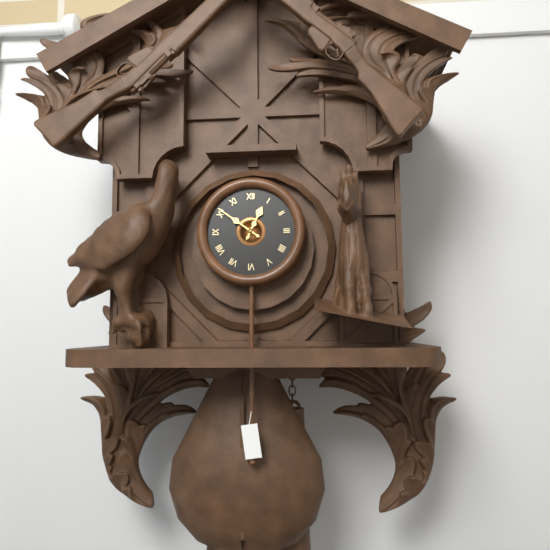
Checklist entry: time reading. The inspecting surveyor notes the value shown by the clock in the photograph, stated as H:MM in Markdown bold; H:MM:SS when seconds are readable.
**12:51**
